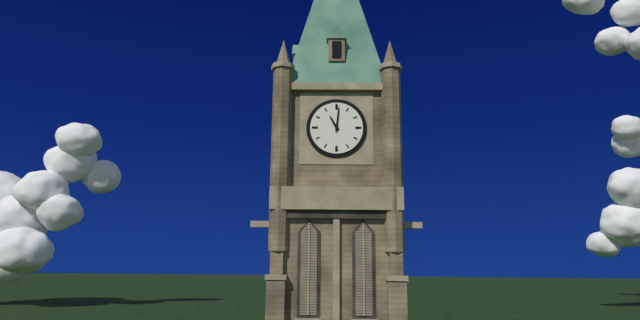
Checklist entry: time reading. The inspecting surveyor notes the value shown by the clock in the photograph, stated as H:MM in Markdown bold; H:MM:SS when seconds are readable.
**11:01**
